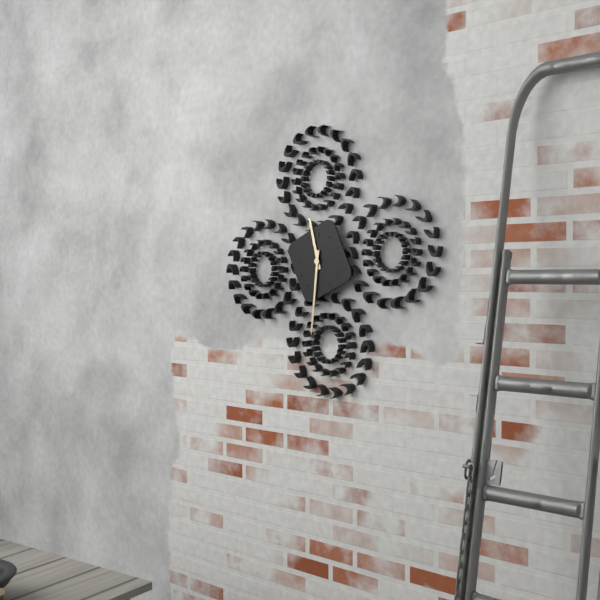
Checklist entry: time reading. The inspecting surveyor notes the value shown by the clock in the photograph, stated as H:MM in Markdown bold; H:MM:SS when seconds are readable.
**11:31**
